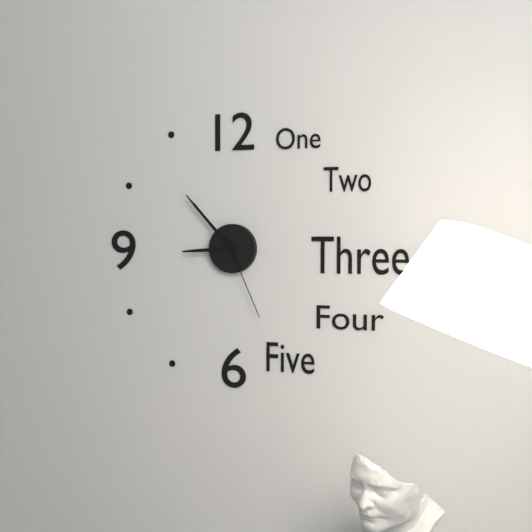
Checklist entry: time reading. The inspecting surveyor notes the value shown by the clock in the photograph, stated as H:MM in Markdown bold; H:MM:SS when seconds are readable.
**8:53:26**
